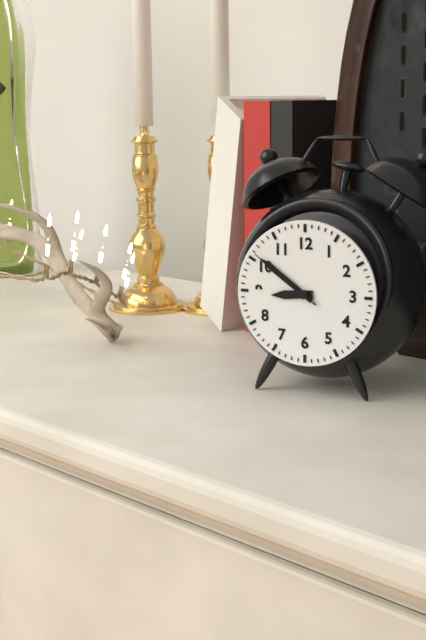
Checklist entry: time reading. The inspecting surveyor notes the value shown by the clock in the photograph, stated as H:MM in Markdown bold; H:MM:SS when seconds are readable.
**8:51:51**
